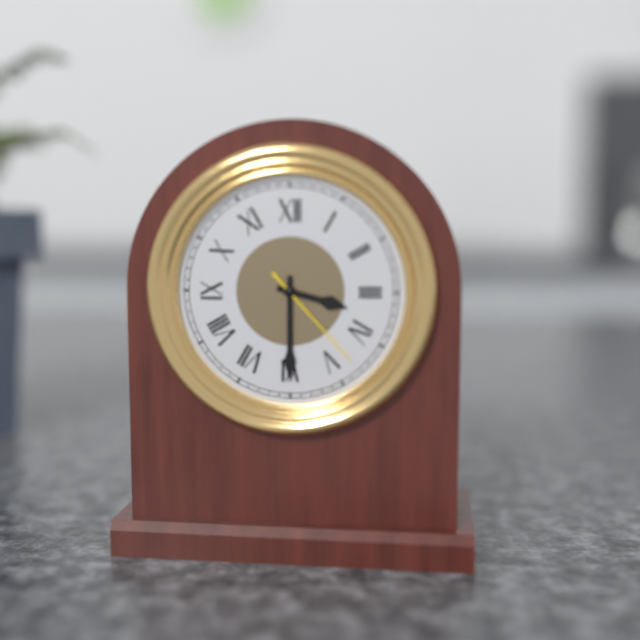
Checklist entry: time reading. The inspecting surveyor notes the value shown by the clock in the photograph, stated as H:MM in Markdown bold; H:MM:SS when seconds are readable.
**3:30:23**
